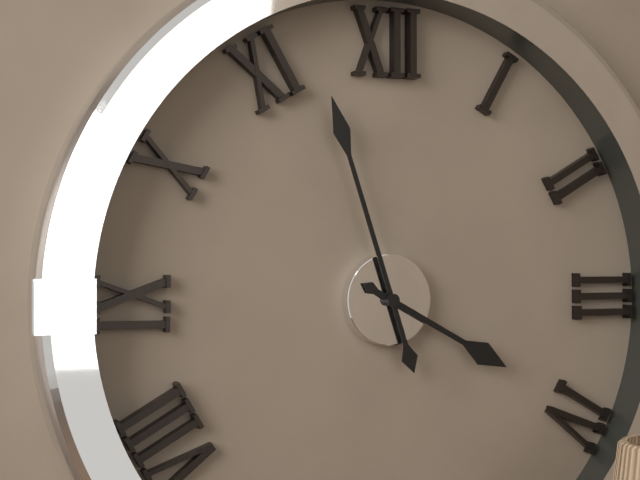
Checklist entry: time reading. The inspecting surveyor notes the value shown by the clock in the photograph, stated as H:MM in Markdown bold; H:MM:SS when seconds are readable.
**3:57**
